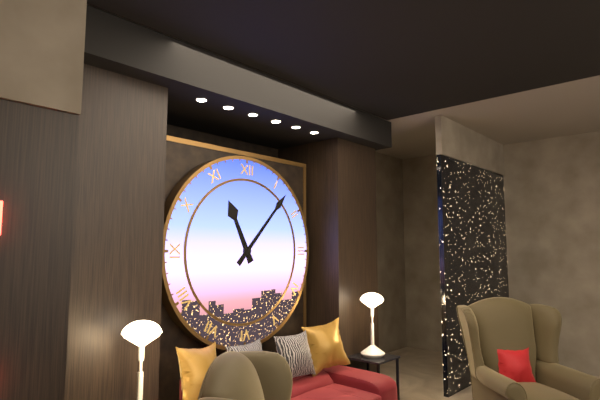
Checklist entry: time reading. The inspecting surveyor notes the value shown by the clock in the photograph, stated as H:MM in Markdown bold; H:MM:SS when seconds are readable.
**11:07**
